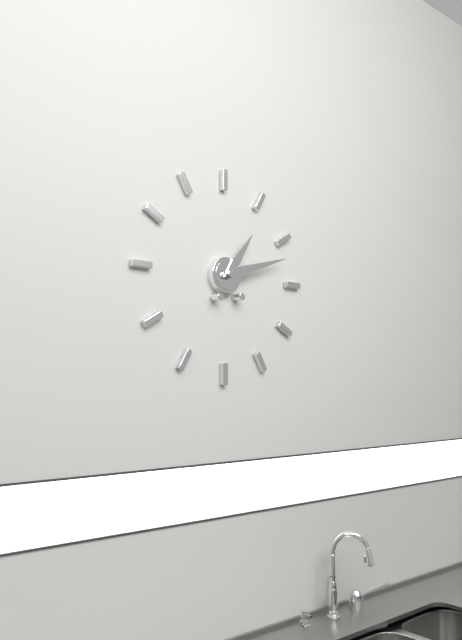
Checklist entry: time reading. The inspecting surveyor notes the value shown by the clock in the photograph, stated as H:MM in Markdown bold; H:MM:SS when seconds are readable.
**1:12**
